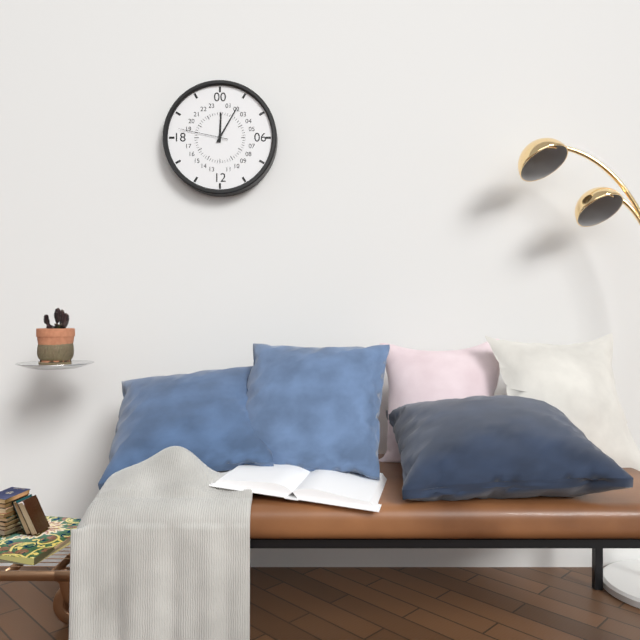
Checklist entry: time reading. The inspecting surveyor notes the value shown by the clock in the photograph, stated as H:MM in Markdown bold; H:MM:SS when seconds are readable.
**12:05:47**
